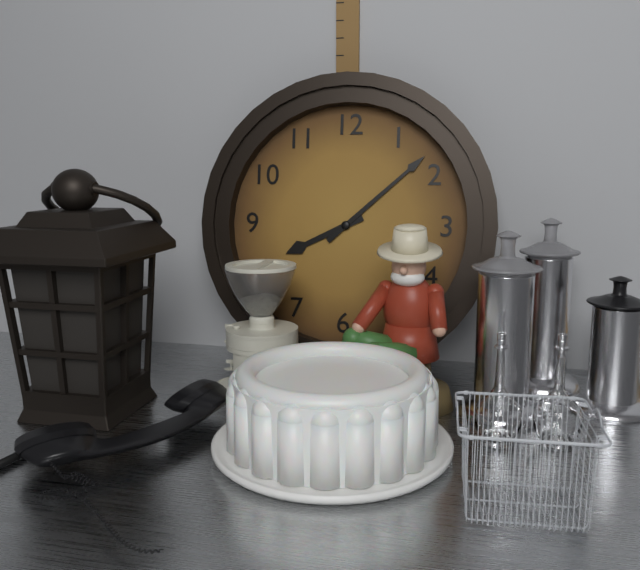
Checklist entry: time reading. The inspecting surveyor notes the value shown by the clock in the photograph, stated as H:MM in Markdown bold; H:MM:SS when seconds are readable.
**8:08**
